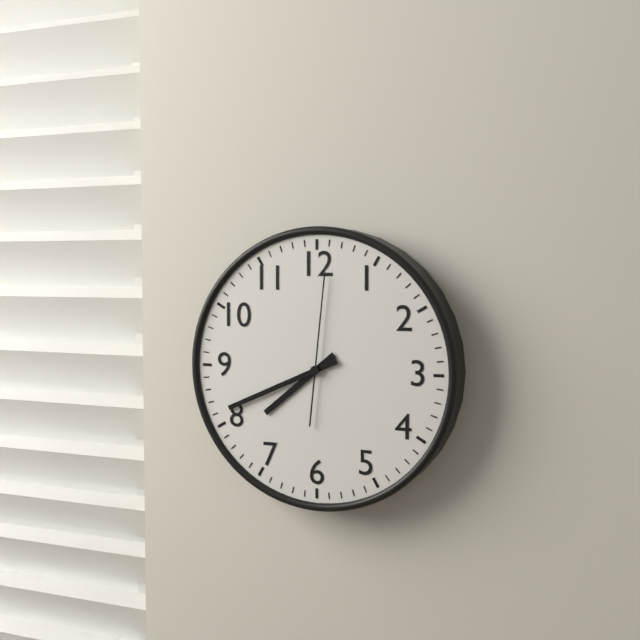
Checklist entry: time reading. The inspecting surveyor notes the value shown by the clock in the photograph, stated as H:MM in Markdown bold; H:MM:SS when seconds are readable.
**7:41:01**
